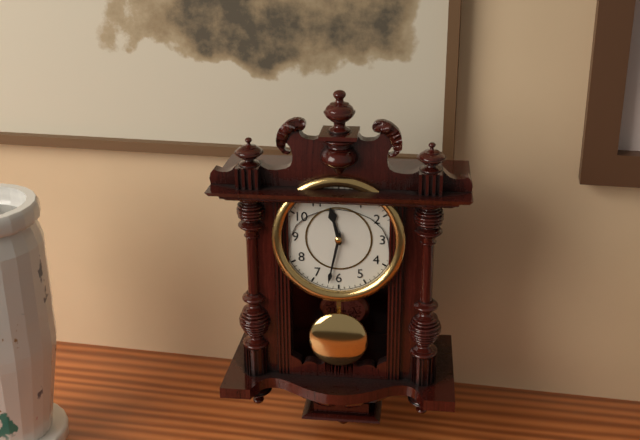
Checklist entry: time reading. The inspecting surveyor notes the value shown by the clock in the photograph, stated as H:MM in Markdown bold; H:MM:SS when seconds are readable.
**11:32**
